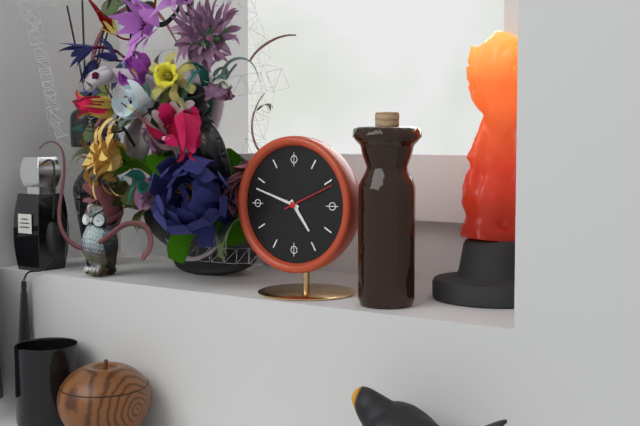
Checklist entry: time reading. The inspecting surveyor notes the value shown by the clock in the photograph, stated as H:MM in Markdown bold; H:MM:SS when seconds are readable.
**4:48:11**
